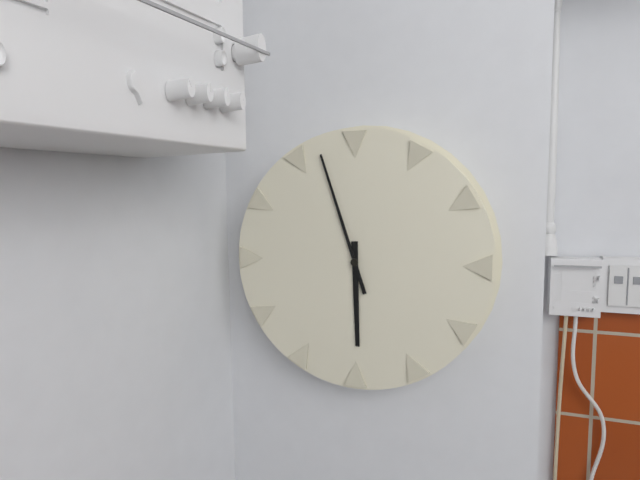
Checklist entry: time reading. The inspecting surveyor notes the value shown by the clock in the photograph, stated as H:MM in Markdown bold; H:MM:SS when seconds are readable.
**5:57**
